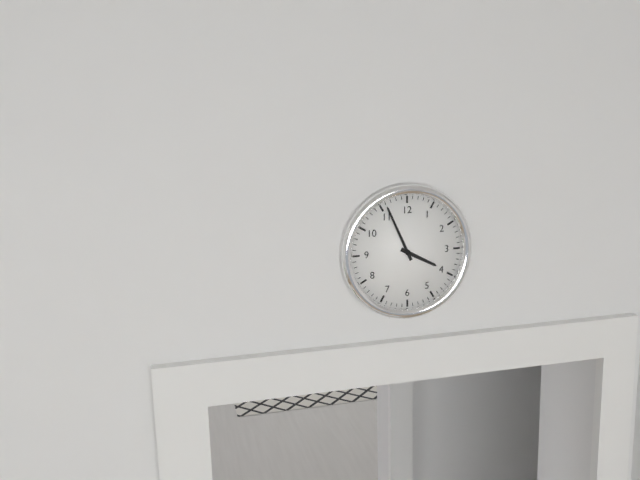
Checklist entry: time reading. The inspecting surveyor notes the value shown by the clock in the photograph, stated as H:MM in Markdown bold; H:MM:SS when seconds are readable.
**3:56**
